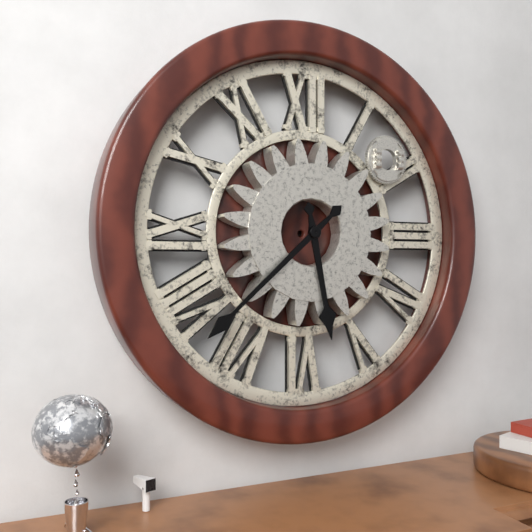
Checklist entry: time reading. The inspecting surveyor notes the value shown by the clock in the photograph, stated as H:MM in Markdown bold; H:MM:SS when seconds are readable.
**5:38**
